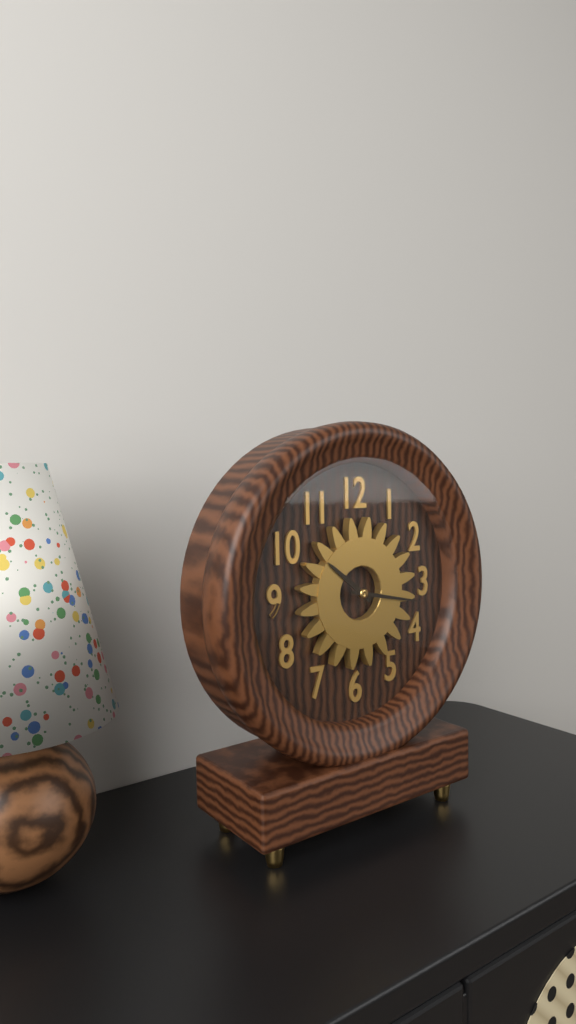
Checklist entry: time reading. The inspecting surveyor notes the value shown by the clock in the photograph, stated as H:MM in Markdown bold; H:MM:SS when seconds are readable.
**10:17**
